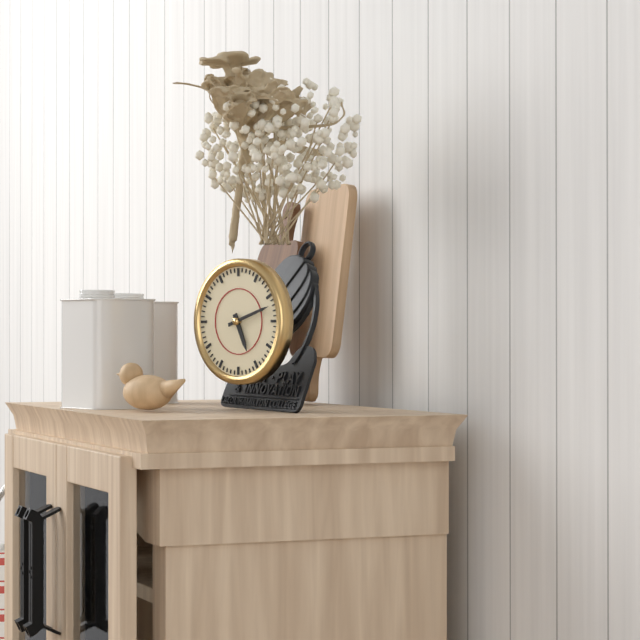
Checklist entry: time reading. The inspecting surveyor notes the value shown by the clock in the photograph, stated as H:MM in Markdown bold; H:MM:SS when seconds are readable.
**5:12**
